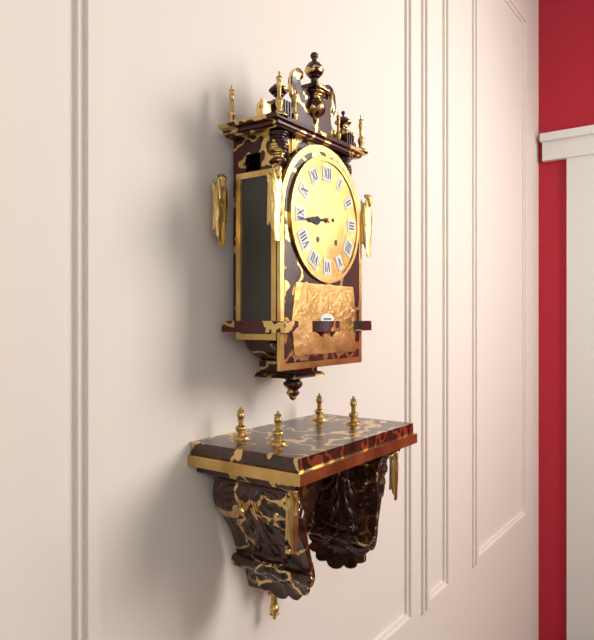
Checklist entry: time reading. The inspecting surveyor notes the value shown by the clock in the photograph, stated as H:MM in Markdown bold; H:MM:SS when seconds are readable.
**8:44**
